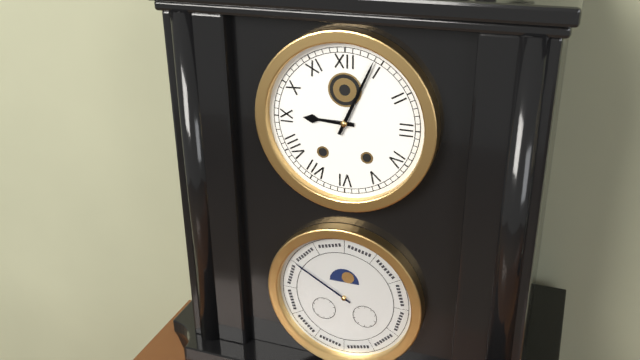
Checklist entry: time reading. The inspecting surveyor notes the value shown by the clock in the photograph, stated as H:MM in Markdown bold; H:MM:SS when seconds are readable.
**9:04**
